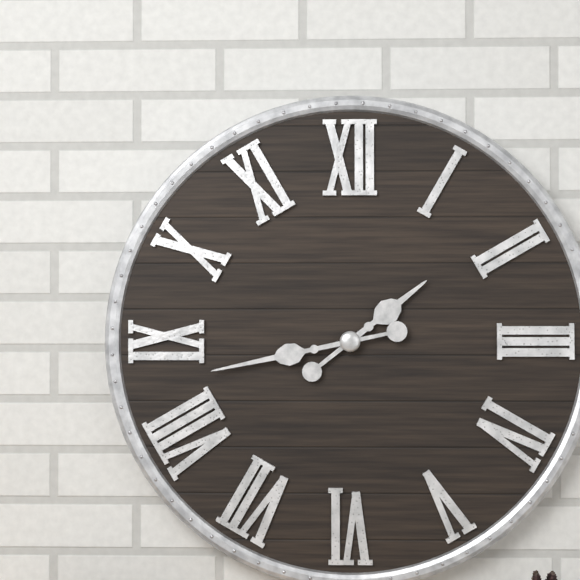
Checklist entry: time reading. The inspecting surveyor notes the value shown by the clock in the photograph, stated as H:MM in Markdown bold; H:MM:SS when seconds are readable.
**1:43**
